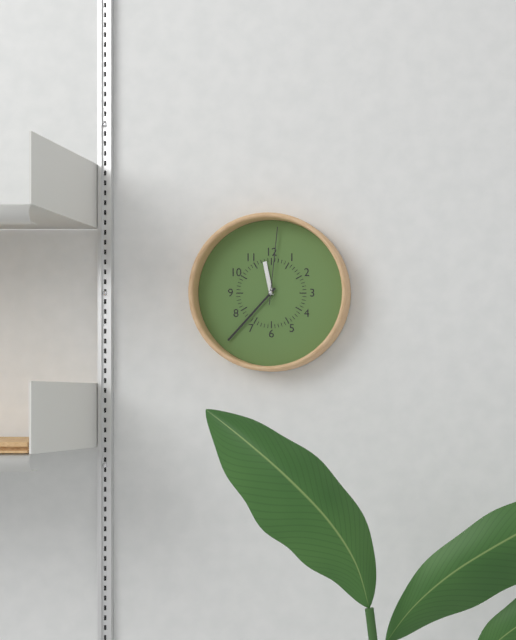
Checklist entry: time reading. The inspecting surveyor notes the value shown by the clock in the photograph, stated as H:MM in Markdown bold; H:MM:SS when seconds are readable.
**11:37:01**
